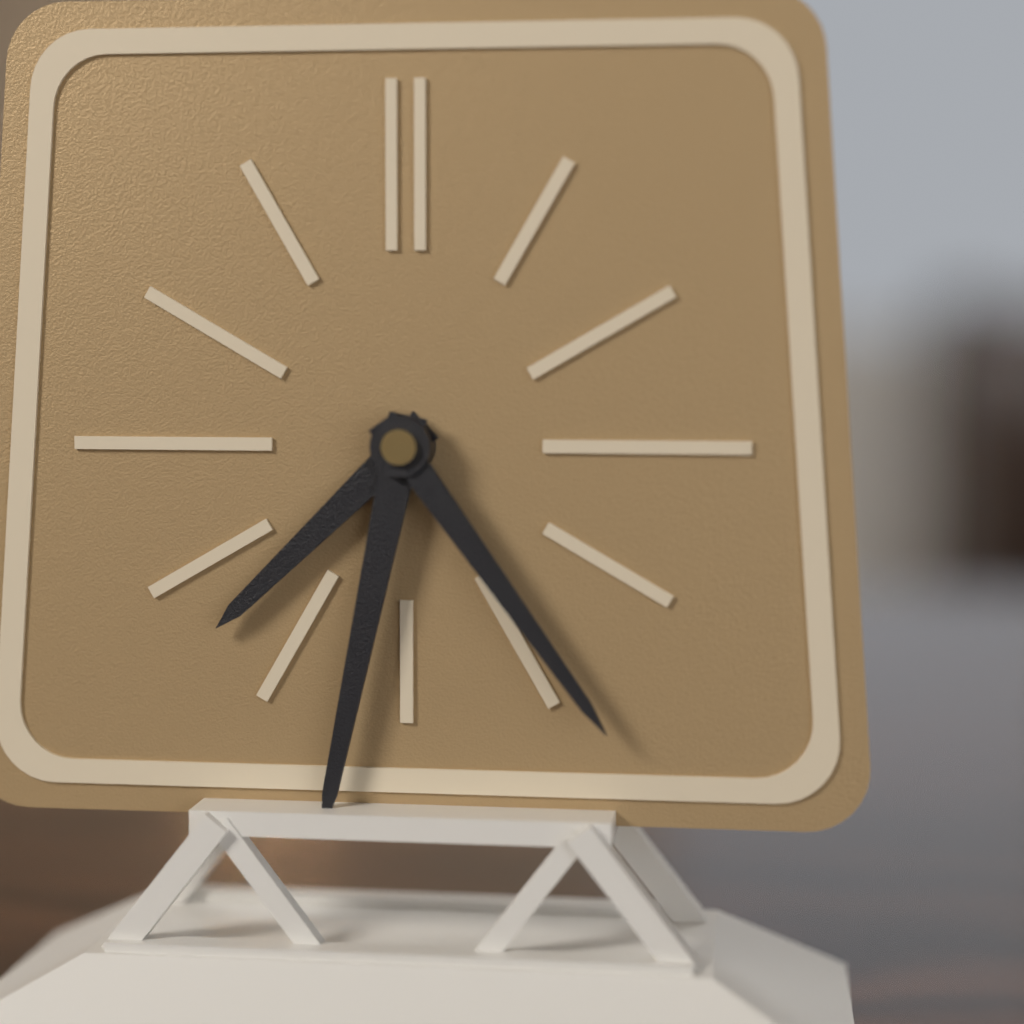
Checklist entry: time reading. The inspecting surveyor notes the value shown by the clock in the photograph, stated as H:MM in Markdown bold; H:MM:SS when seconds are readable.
**7:32:24**
